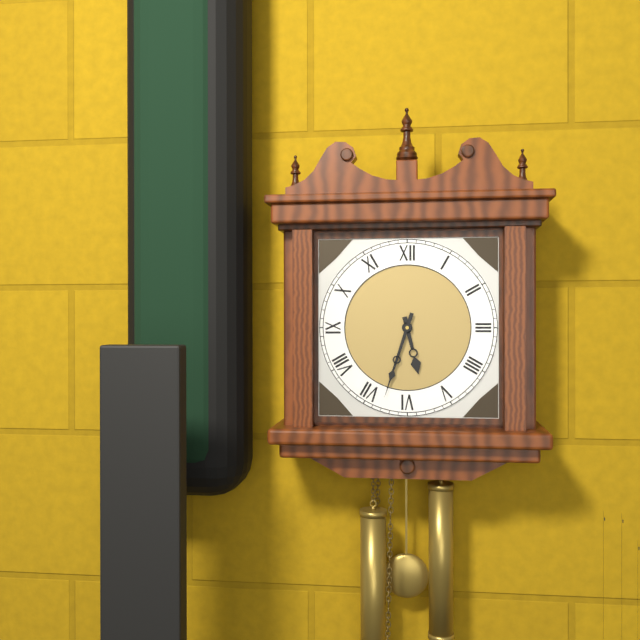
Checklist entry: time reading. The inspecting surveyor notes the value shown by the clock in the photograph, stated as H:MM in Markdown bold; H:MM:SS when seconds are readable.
**5:33**
